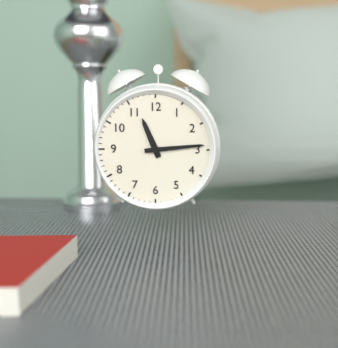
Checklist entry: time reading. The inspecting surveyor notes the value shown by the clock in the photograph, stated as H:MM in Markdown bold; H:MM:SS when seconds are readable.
**11:14**
